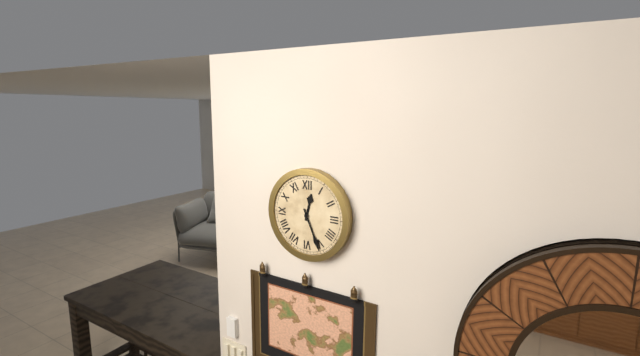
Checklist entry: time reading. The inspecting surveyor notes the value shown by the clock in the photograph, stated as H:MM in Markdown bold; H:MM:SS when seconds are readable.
**12:26**
